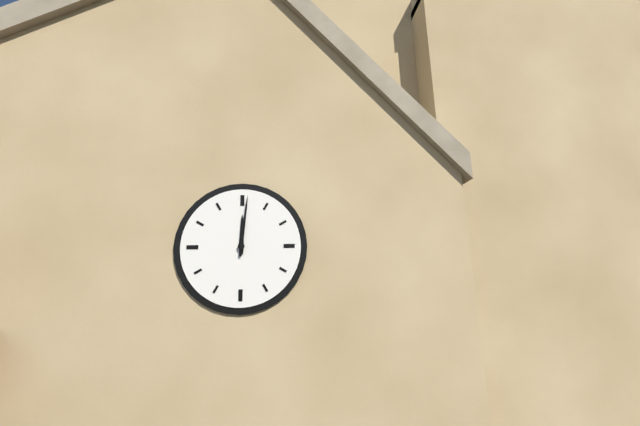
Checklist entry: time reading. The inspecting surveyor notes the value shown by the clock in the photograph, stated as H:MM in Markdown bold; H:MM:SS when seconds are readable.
**12:01**
